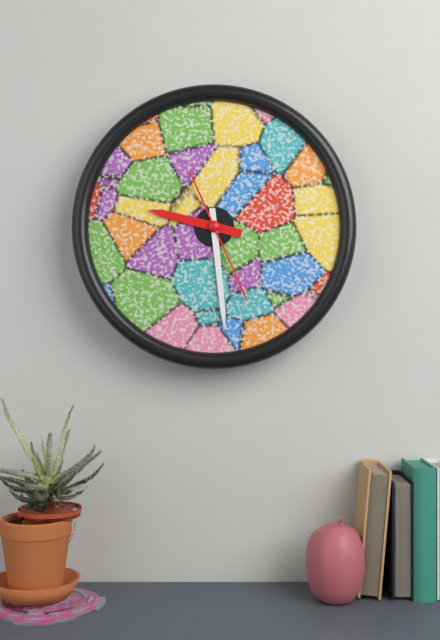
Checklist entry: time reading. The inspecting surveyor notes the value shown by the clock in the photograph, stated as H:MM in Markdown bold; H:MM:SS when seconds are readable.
**9:29:26**
